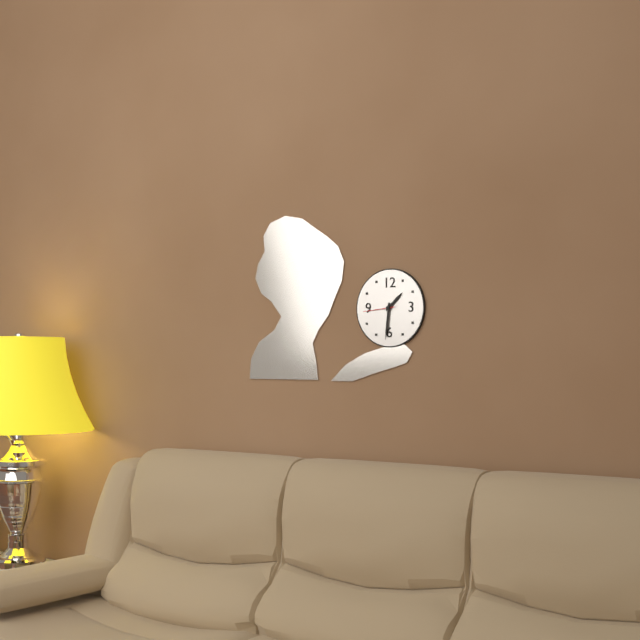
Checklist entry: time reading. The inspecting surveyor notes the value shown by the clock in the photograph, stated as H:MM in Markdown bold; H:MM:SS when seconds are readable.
**1:31**
